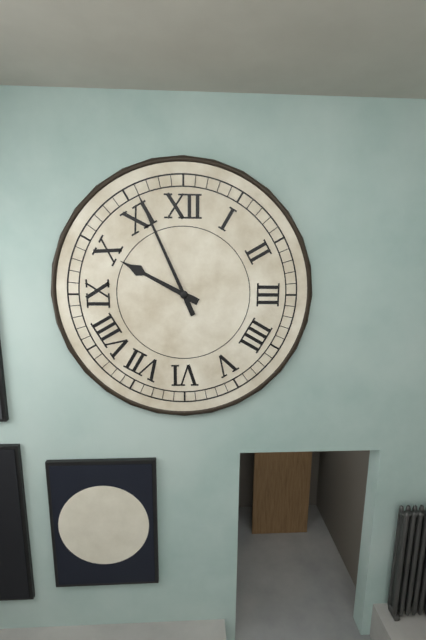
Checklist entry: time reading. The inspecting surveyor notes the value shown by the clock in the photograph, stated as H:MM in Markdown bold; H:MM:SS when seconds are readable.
**9:56**
